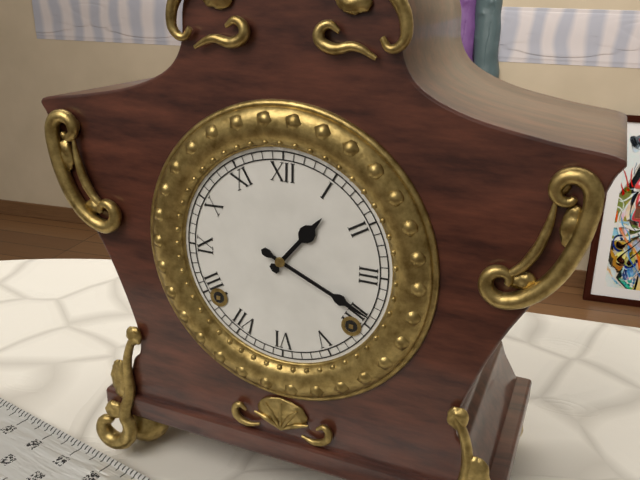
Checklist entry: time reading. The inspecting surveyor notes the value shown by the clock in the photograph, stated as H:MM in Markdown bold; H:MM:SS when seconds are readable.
**1:19**
